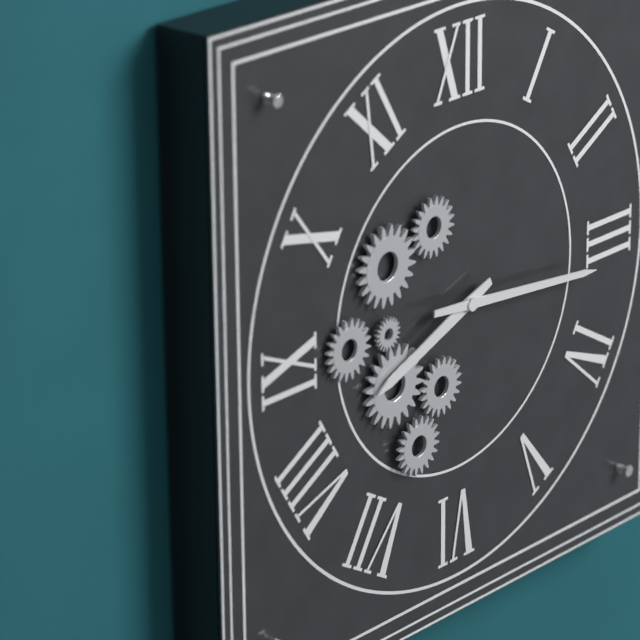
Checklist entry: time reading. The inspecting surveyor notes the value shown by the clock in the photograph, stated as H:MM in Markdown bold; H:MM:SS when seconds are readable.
**8:16**
